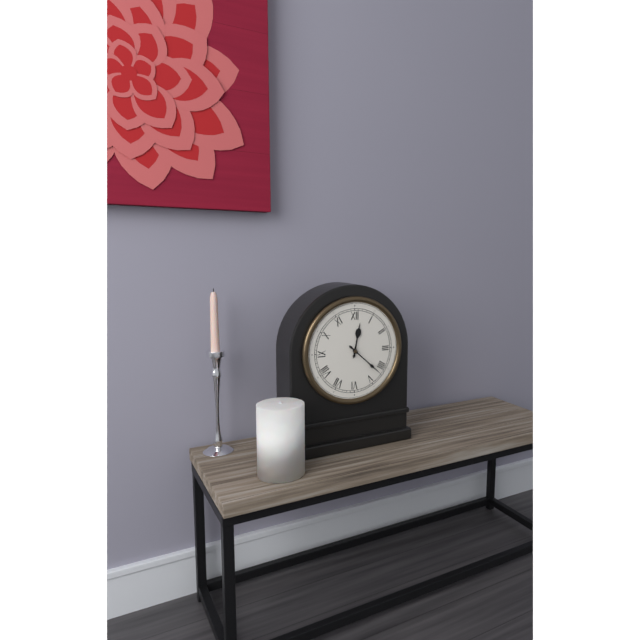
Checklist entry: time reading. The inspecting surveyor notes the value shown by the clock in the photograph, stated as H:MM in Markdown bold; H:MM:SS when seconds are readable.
**12:22**
